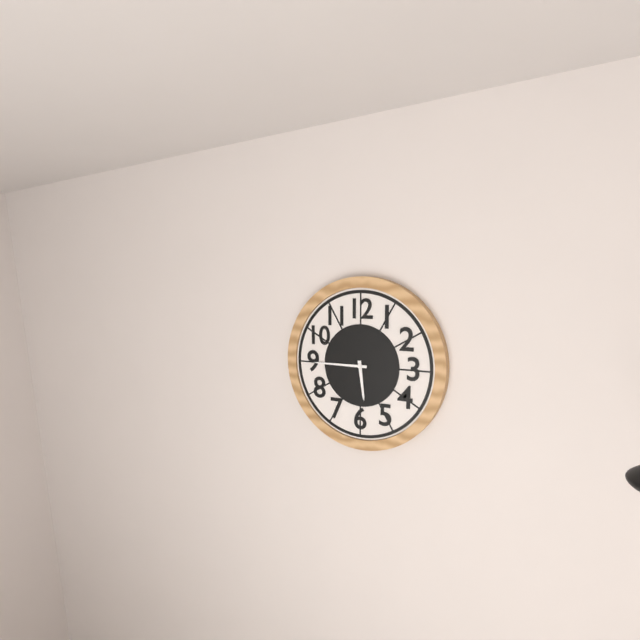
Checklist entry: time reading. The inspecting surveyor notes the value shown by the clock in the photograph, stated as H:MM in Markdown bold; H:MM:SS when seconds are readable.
**5:45**
